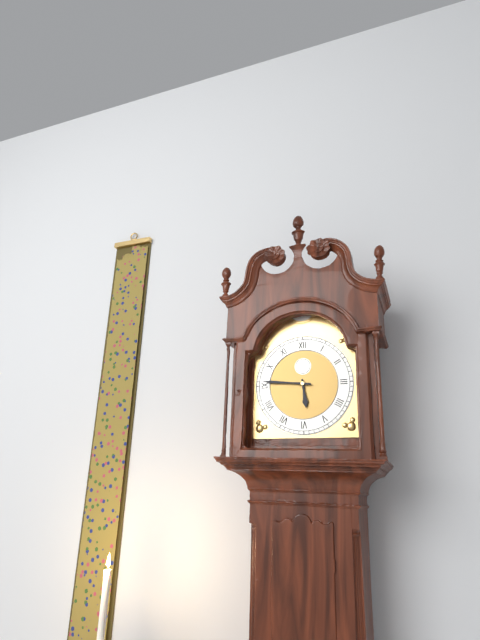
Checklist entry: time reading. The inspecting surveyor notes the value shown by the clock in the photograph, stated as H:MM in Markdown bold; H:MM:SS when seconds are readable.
**5:46**
